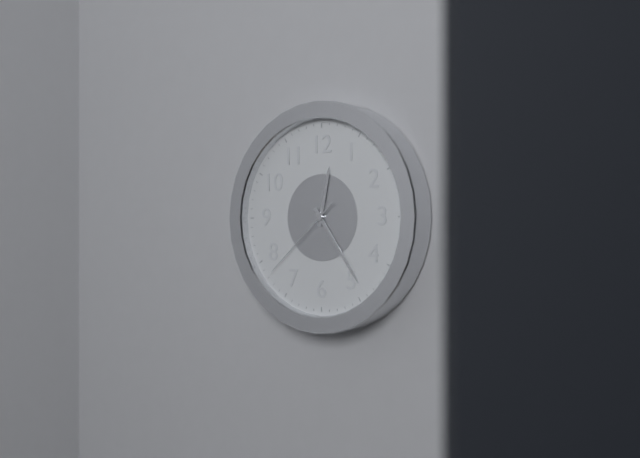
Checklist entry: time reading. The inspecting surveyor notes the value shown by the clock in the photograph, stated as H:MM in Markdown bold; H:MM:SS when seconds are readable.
**12:24:38**
